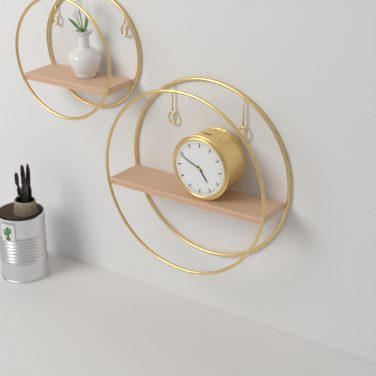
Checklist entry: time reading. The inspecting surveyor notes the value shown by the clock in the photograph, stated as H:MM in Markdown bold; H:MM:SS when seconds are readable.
**4:49**
